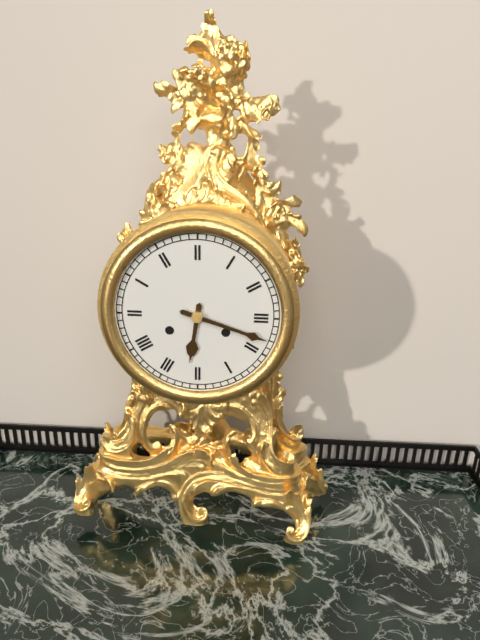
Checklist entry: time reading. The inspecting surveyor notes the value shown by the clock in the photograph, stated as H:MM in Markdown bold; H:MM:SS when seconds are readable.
**6:18**
